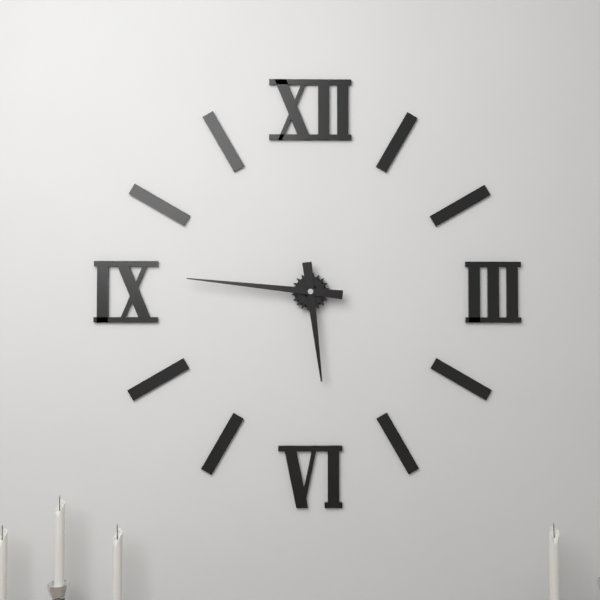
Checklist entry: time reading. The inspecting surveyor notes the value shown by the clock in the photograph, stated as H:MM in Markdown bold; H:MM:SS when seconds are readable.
**5:46**
